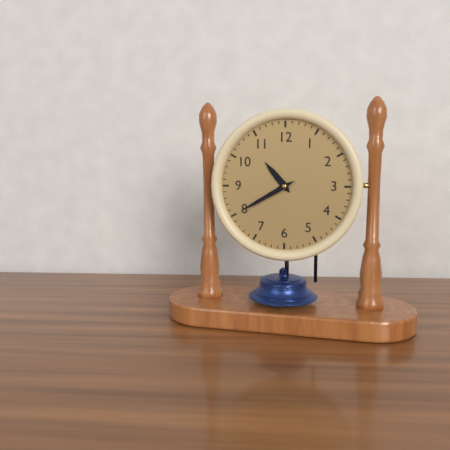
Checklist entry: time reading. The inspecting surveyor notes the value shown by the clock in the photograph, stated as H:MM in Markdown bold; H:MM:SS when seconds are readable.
**10:40**
